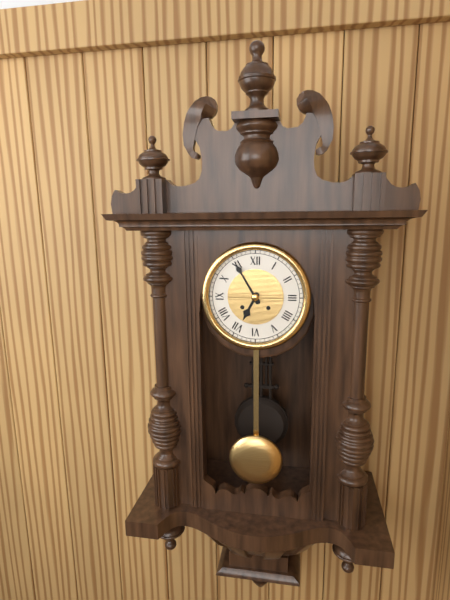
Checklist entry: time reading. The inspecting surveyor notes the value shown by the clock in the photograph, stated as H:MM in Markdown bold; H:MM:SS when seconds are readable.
**6:55**
